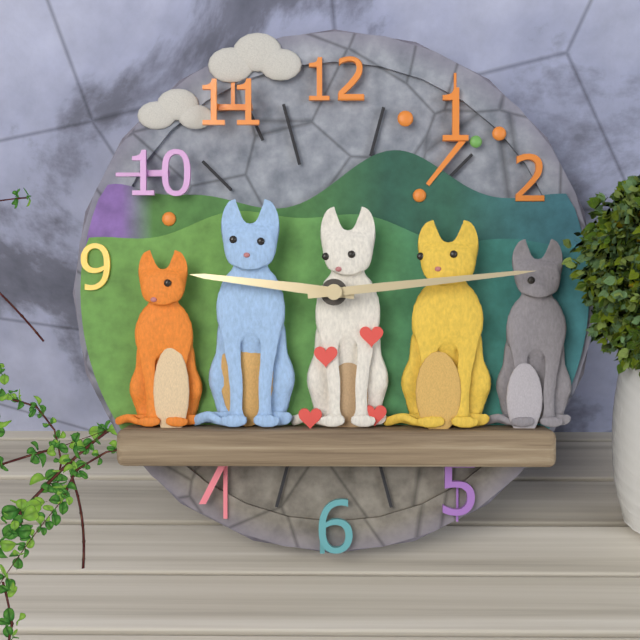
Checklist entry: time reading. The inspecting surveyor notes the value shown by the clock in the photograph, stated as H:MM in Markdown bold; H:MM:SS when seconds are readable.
**9:14**
